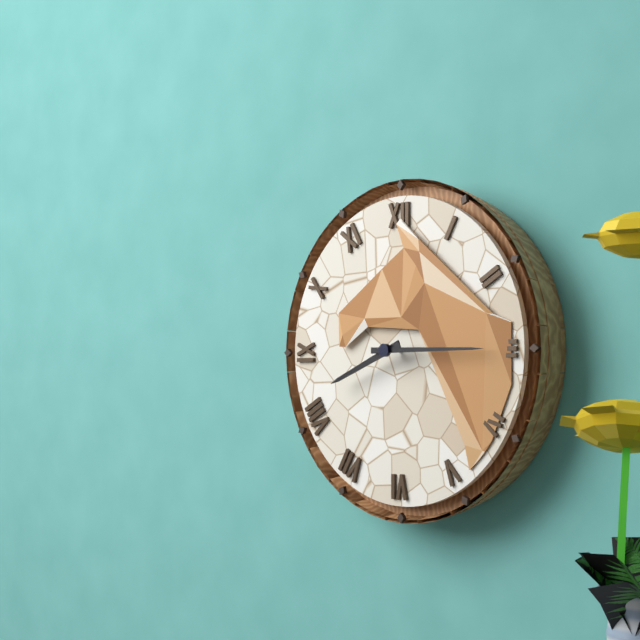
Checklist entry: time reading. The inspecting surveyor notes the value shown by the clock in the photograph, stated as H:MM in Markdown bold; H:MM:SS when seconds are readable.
**8:15**
